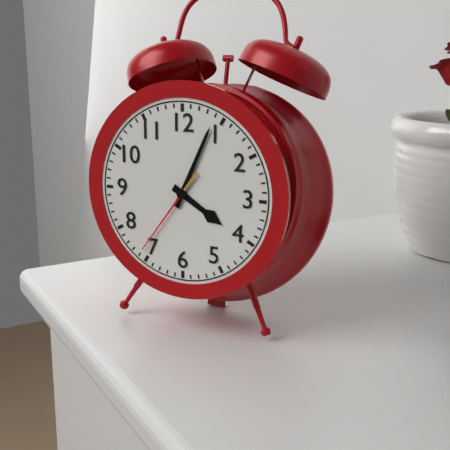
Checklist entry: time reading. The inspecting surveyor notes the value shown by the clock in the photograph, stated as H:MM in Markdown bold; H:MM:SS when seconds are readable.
**4:04:36**
